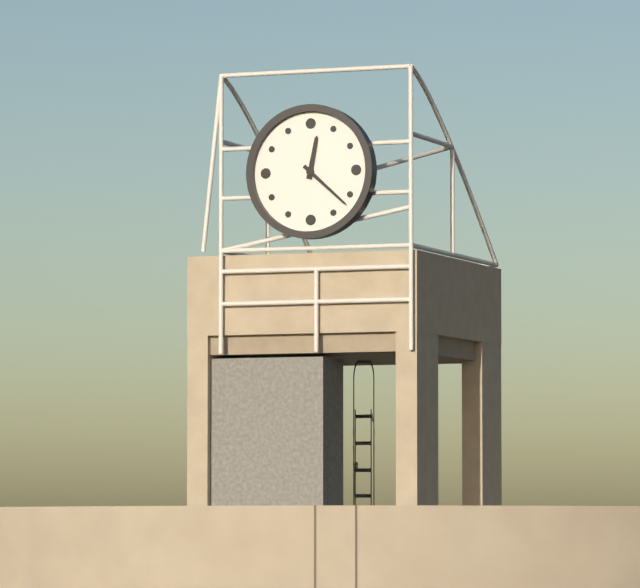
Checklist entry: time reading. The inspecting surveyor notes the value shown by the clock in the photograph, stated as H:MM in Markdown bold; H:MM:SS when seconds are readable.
**12:22**
